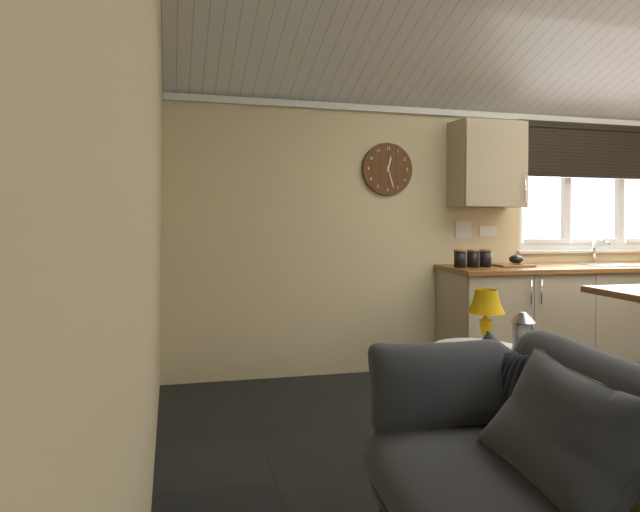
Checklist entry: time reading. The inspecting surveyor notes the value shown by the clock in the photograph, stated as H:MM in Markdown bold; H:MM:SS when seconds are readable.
**12:27**
